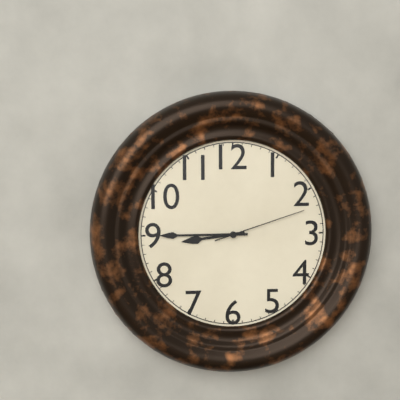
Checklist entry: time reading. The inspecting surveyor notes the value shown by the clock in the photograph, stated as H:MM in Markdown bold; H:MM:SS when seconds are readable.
**8:45:12**
